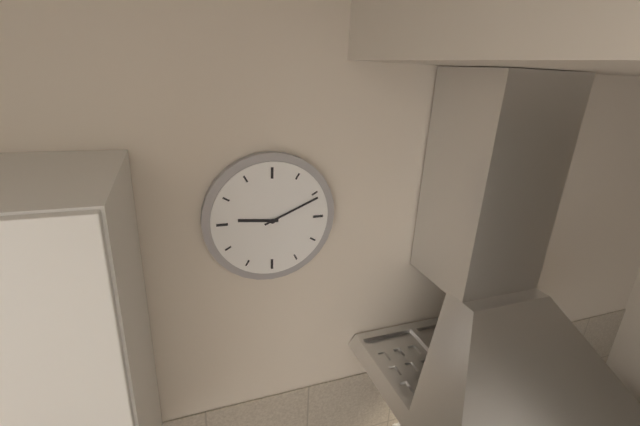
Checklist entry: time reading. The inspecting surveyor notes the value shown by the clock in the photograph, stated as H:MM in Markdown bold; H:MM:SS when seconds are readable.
**9:11**
